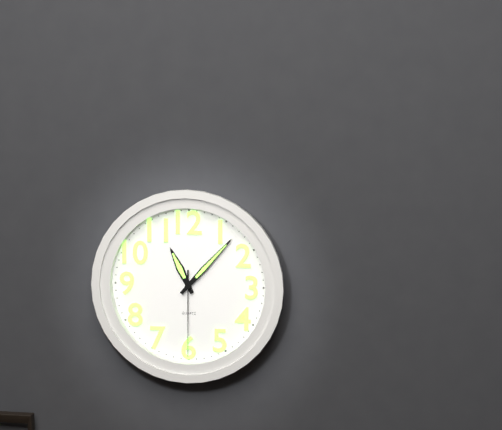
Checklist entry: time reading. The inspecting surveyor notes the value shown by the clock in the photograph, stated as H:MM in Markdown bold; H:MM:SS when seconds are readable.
**11:07:30**
